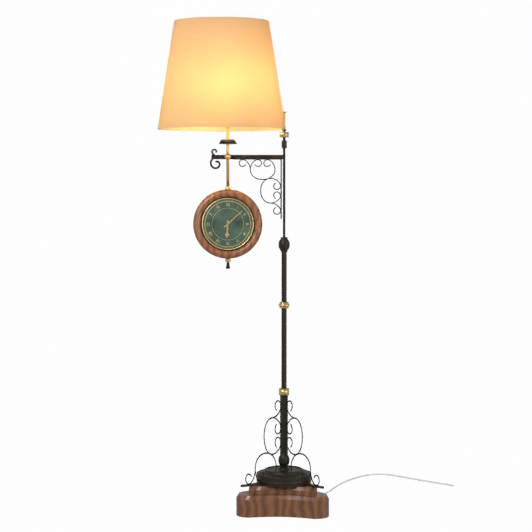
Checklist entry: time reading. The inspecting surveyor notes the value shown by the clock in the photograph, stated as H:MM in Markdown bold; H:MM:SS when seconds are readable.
**6:08**
